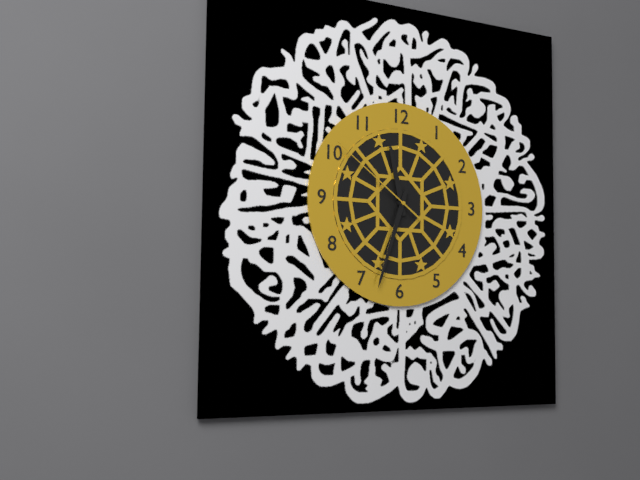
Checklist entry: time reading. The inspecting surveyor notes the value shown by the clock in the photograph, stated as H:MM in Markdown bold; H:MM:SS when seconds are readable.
**11:33:51**
